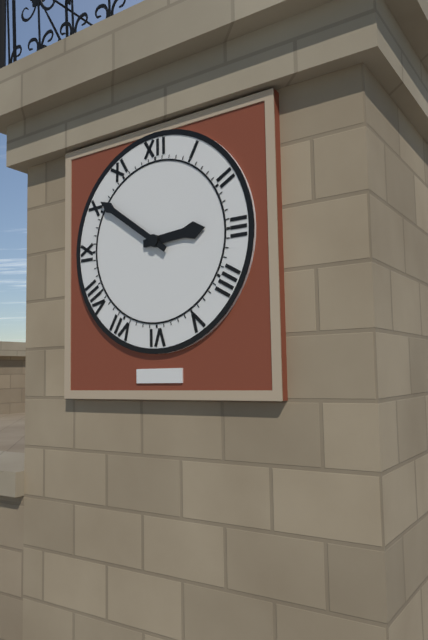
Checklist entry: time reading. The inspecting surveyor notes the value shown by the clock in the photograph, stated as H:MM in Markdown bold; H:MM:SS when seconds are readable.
**2:51**
